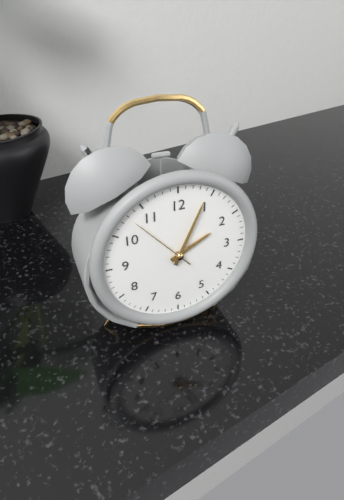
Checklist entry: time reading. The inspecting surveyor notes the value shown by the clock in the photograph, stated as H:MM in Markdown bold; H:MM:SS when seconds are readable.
**2:04:53**
